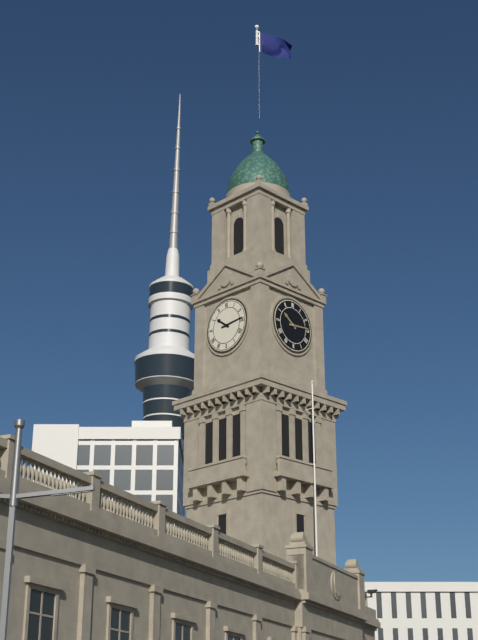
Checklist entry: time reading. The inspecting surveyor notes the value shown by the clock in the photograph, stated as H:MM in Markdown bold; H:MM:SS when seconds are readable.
**10:14**
